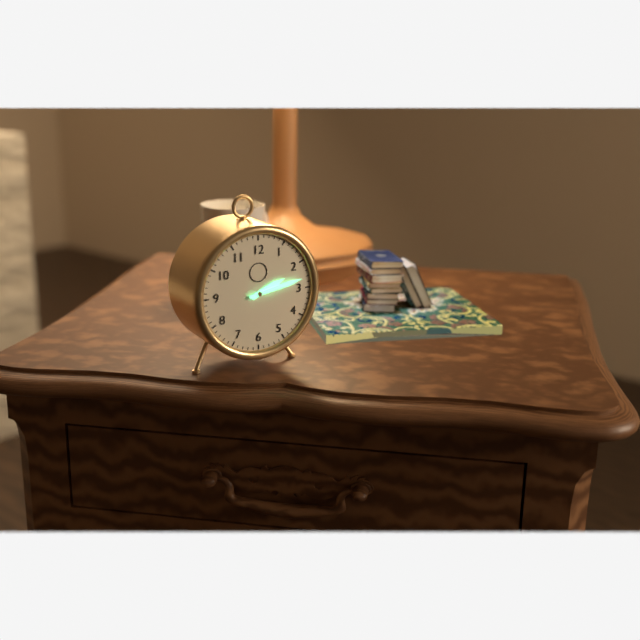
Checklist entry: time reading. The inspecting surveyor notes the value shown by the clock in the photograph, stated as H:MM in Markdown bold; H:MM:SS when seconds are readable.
**2:13**
